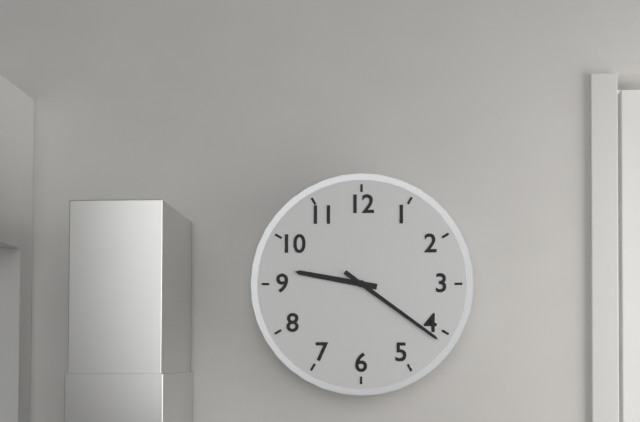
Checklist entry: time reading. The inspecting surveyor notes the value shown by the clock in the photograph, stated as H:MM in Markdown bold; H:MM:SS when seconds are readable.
**9:21**
